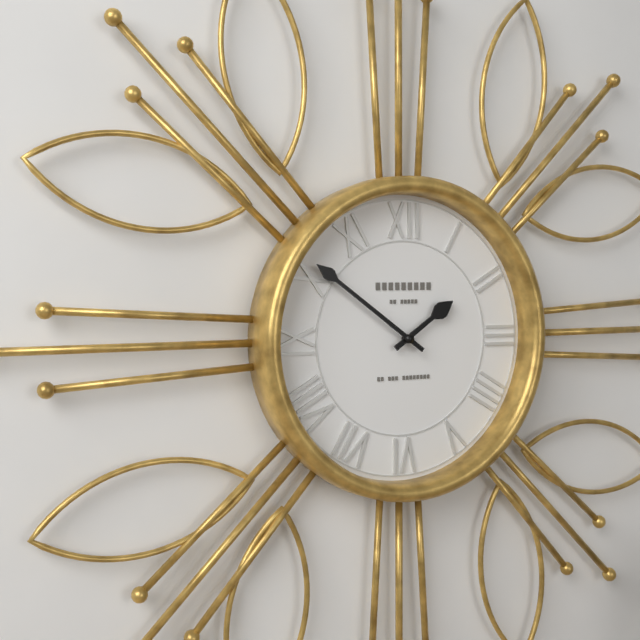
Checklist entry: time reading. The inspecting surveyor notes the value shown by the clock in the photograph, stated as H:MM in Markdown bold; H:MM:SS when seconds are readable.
**1:51**
